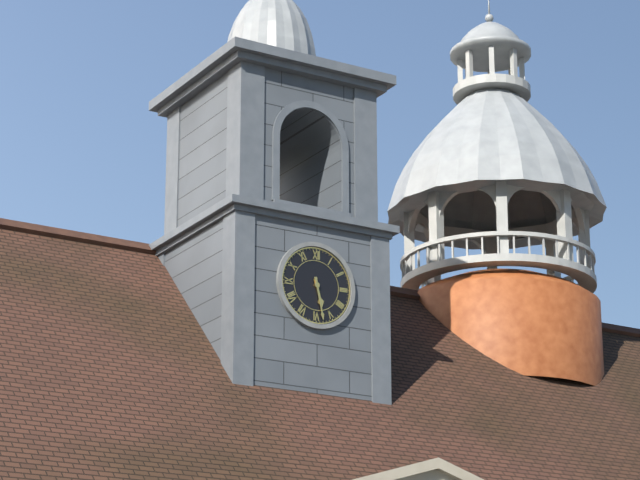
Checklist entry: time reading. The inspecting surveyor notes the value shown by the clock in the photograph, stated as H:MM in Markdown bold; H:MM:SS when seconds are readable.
**5:28**
